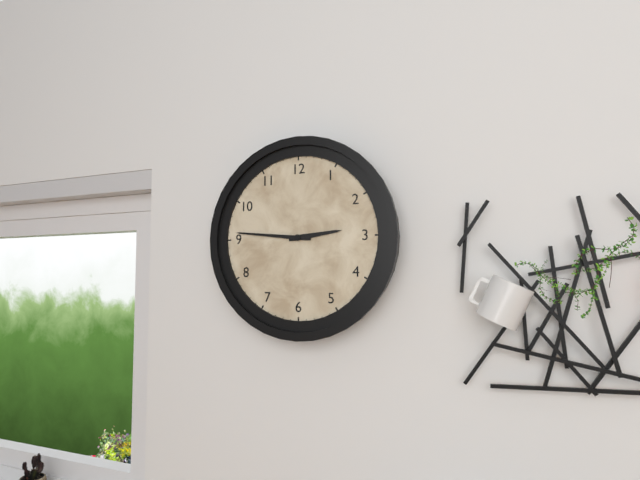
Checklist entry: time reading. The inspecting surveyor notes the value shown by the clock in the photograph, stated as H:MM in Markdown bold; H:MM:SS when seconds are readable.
**2:46**
